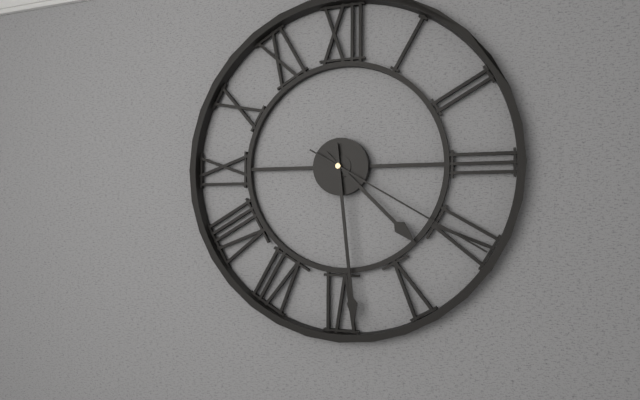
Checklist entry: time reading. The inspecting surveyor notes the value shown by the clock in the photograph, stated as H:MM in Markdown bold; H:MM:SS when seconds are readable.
**4:29:20**
